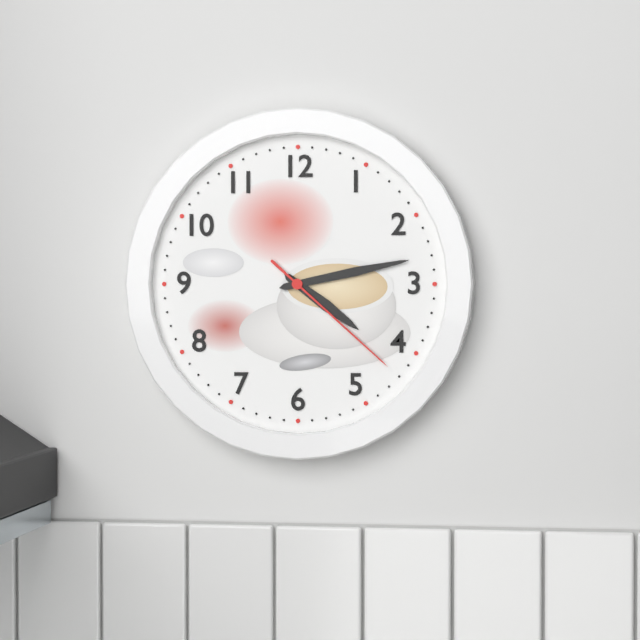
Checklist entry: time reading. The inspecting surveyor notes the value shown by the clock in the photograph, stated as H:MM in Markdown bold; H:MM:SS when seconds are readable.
**4:13:22**
